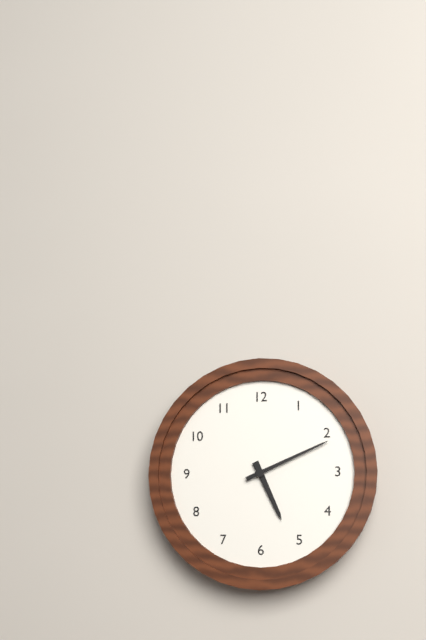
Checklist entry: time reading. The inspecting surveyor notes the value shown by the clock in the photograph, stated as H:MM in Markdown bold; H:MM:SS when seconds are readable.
**5:11**
